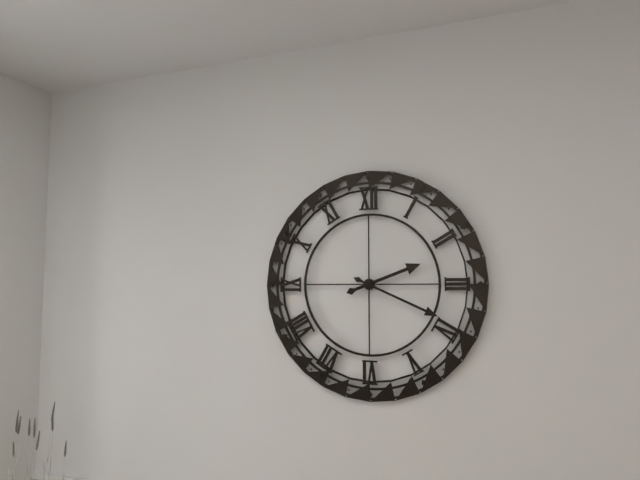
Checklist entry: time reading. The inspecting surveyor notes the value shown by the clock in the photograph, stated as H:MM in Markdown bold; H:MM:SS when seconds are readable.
**2:19**
